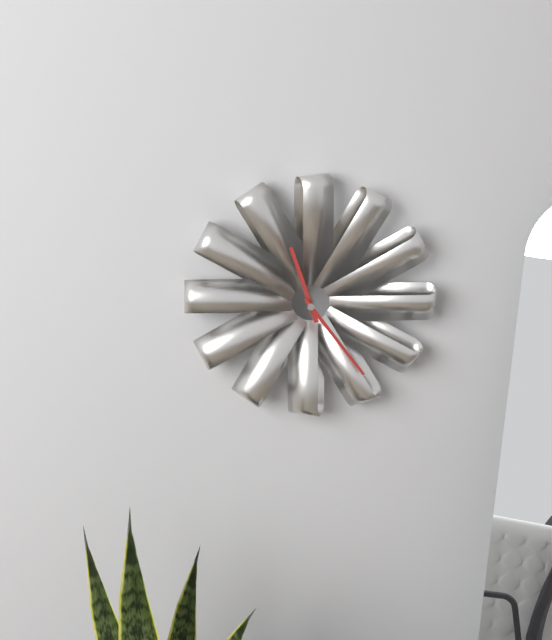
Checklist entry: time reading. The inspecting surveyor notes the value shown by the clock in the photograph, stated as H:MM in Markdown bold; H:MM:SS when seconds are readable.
**11:24**
